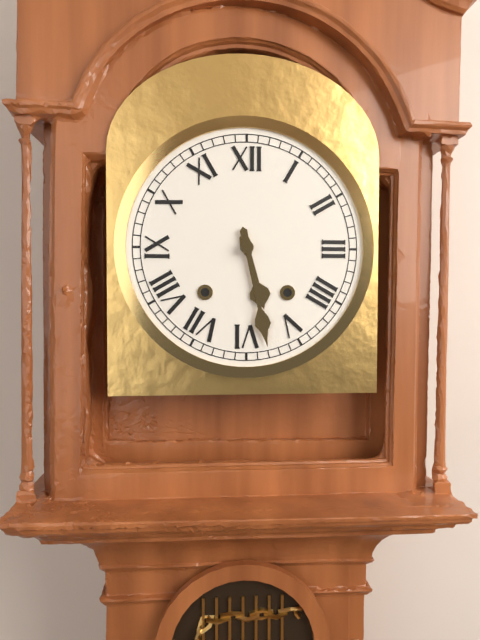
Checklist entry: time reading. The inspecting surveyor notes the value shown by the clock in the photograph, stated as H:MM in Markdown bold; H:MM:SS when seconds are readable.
**5:28**
